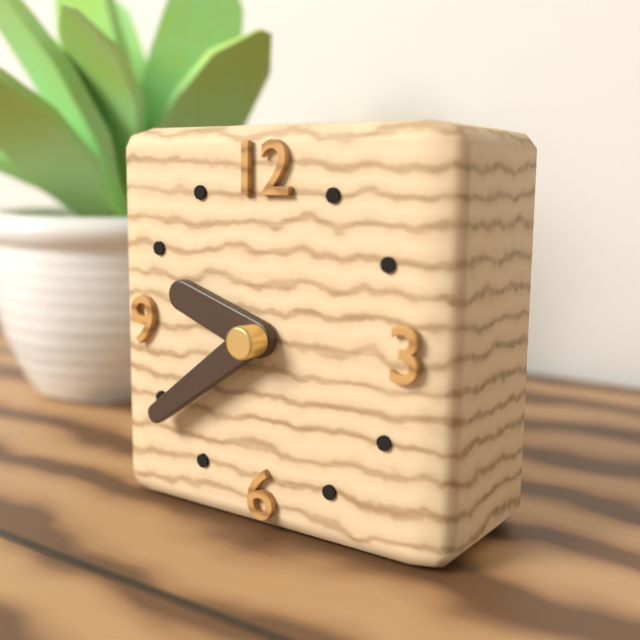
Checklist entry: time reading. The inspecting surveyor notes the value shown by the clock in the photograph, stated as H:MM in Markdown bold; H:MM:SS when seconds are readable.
**9:39**
